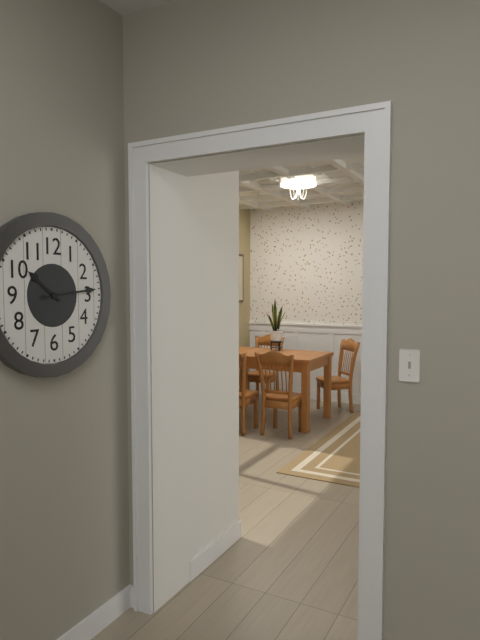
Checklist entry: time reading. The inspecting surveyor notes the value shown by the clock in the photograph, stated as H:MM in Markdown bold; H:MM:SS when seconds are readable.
**10:14**
